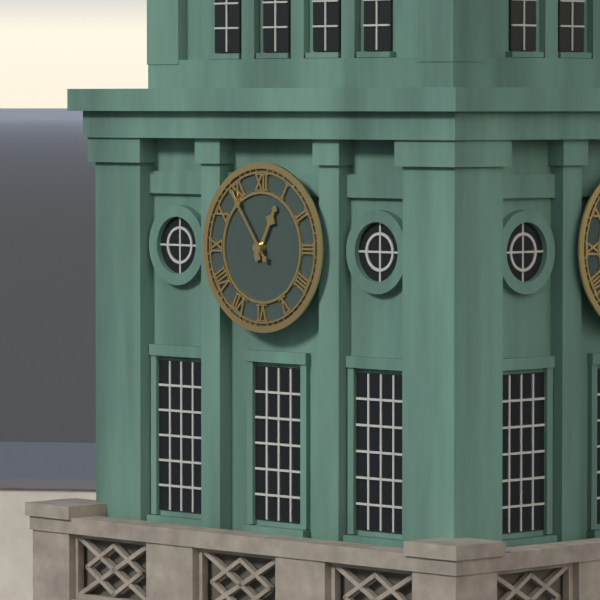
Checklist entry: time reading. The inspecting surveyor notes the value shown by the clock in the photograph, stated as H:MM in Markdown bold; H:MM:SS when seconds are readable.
**12:54**
